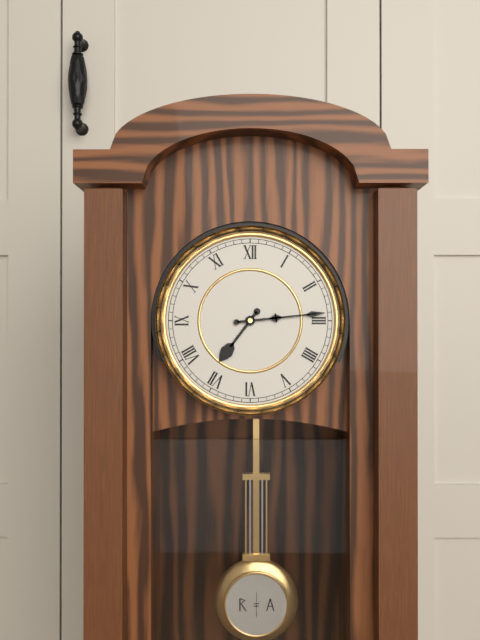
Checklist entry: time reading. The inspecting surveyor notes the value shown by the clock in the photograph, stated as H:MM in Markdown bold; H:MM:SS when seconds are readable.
**7:14**
